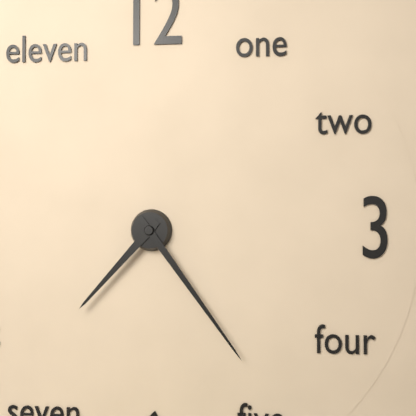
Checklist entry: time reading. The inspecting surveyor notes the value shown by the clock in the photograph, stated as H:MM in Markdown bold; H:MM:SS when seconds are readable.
**7:24**
